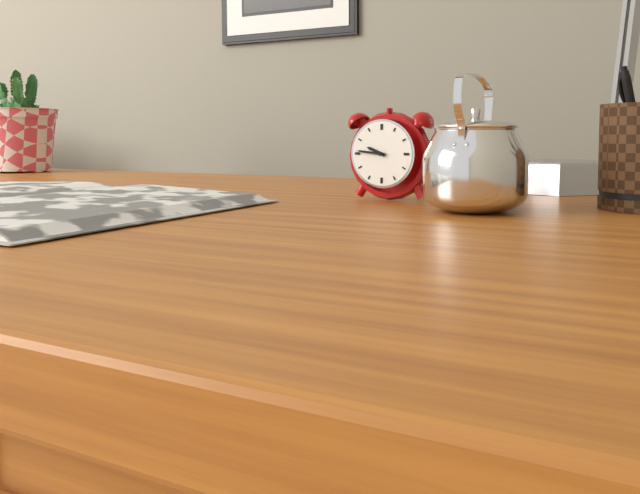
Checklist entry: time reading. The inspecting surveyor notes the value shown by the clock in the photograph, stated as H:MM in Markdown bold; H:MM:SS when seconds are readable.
**9:46**
